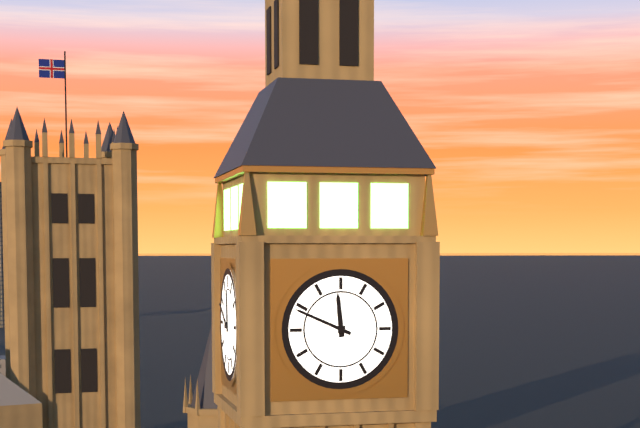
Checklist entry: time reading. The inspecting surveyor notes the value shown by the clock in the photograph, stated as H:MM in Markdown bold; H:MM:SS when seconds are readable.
**11:49**
